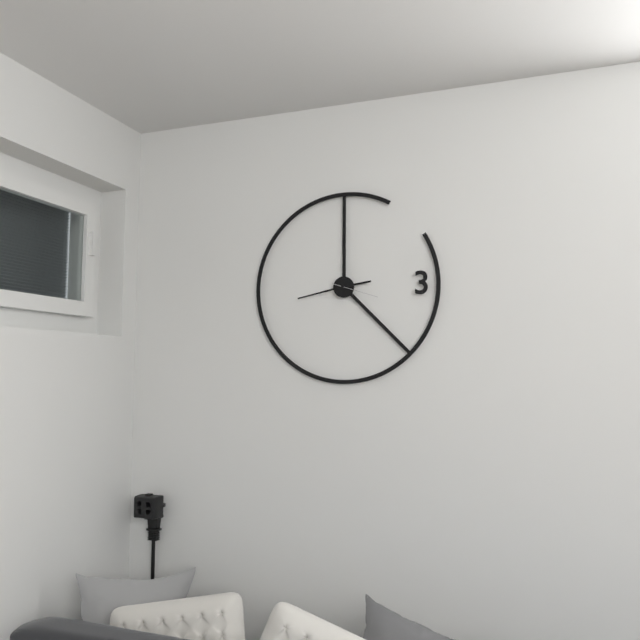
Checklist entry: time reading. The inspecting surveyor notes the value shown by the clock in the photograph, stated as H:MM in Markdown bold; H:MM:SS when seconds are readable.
**2:43**
